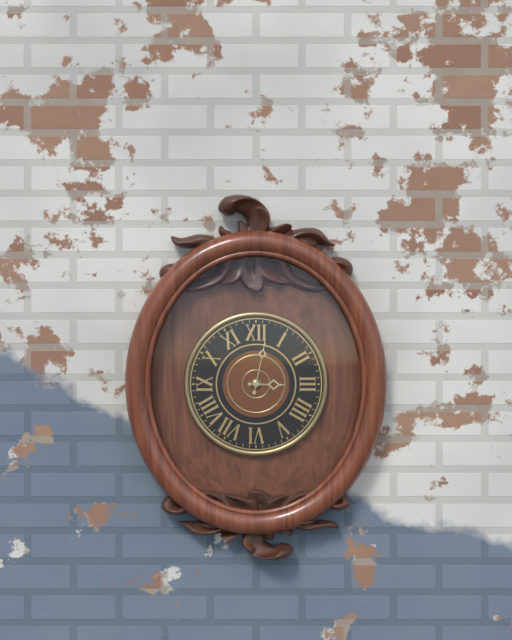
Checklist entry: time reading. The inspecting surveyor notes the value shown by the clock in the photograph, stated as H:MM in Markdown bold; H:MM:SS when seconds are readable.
**3:02**
